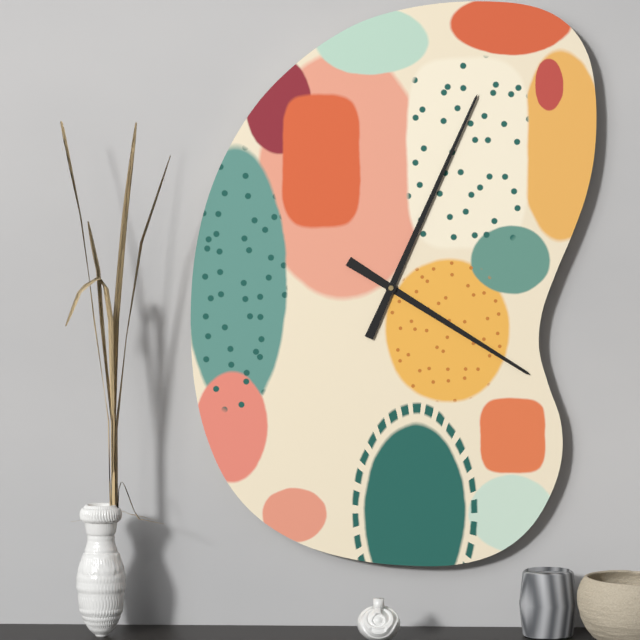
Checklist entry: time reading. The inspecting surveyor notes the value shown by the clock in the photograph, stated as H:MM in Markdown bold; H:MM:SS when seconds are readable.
**4:04**
